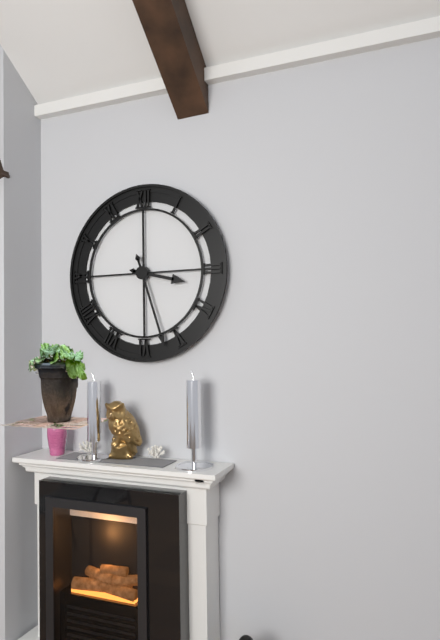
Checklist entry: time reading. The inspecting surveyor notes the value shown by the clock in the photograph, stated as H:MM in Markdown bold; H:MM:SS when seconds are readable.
**3:27**
